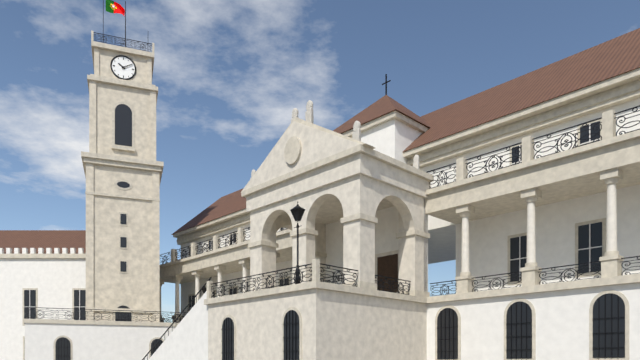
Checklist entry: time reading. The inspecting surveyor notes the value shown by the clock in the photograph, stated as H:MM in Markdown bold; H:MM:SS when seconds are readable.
**10:10**
